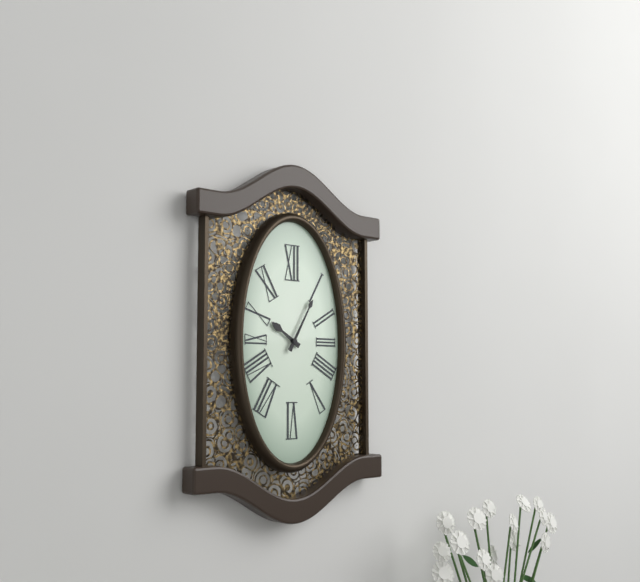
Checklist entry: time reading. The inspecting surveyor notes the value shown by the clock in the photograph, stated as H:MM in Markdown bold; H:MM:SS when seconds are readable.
**10:05**
